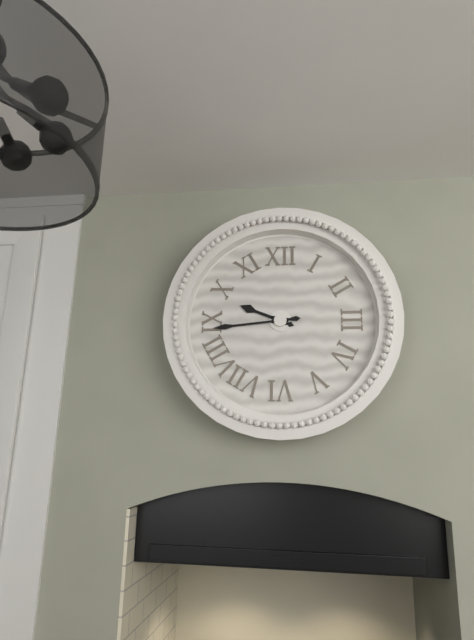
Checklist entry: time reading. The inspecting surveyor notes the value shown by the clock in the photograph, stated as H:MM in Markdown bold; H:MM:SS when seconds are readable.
**9:44**
